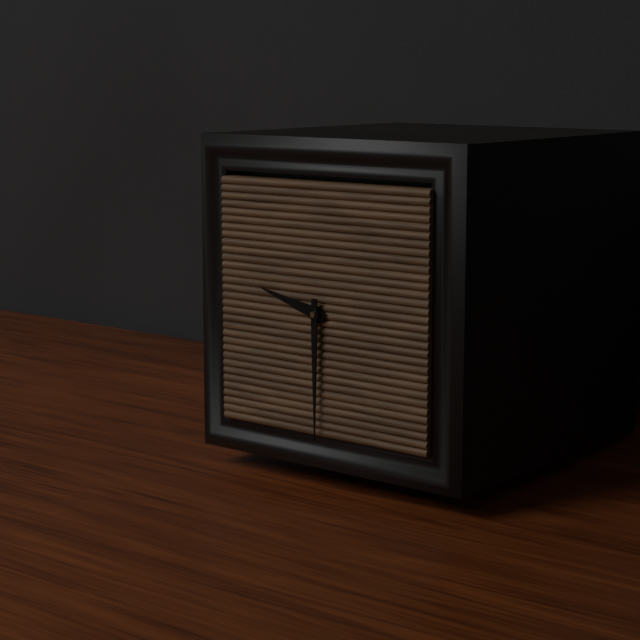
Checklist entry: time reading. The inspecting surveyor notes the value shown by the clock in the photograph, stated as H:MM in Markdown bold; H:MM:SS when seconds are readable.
**9:30**
